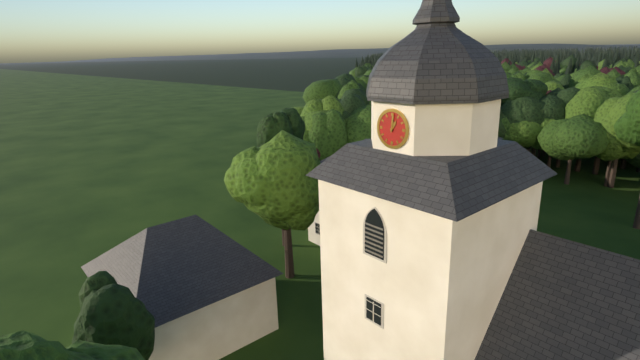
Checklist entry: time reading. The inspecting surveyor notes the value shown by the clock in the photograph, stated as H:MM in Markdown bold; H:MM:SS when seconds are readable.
**1:01**
